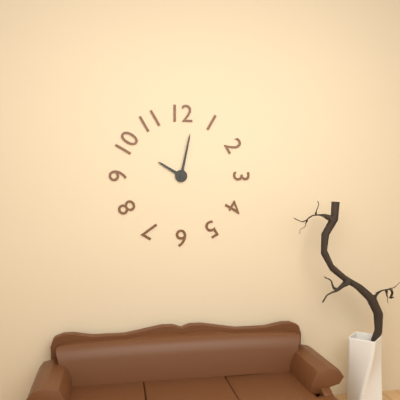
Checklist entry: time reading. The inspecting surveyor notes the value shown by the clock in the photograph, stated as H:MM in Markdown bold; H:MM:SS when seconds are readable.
**10:02**
